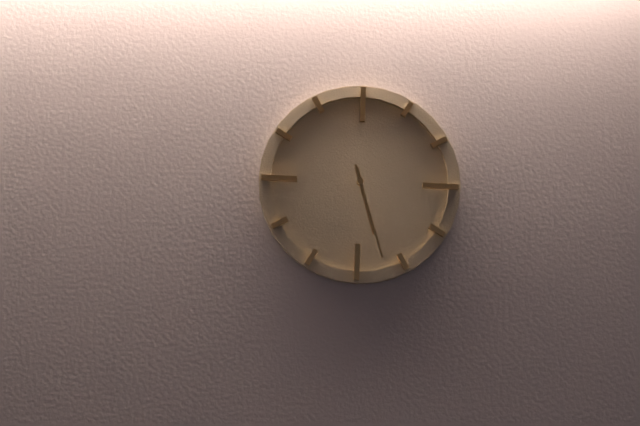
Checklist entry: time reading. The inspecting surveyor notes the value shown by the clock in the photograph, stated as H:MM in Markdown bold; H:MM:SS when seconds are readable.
**5:27**
